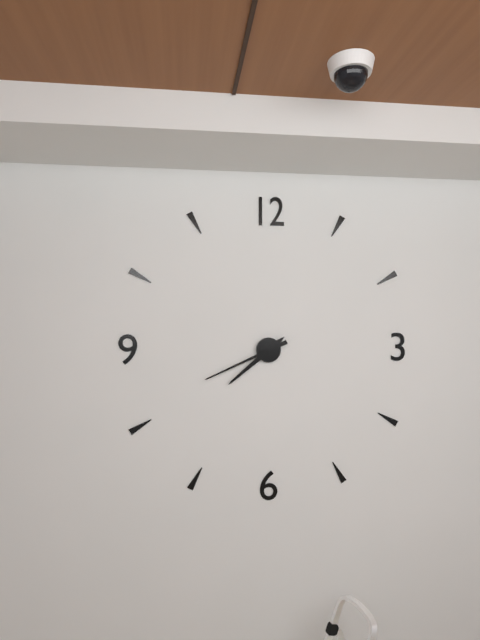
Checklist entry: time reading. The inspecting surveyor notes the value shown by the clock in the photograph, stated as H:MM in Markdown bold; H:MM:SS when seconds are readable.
**7:41**
